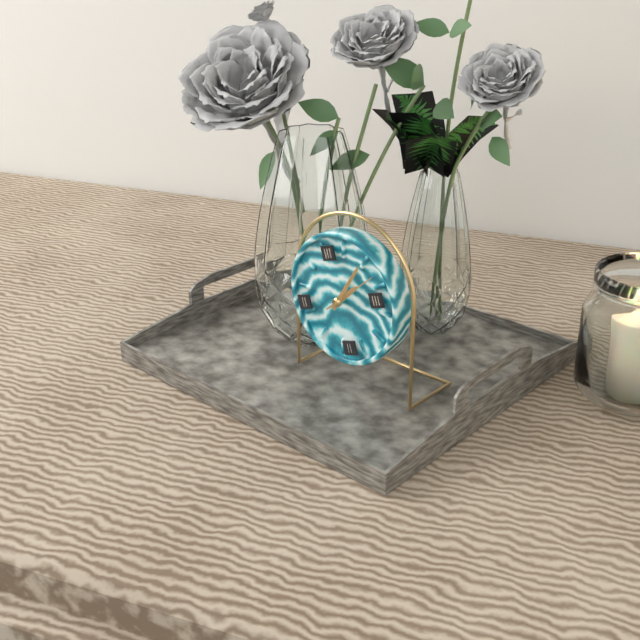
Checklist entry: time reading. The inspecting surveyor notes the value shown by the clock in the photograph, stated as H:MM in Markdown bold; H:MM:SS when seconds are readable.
**2:08:11**
